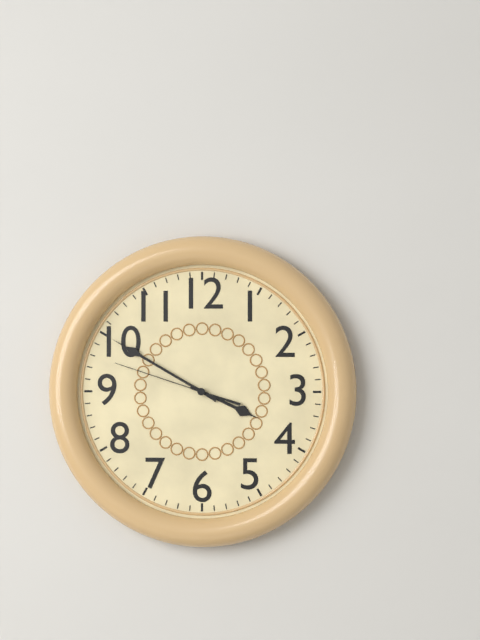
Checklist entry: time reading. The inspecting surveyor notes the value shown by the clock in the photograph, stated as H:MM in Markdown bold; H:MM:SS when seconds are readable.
**3:50:48**
